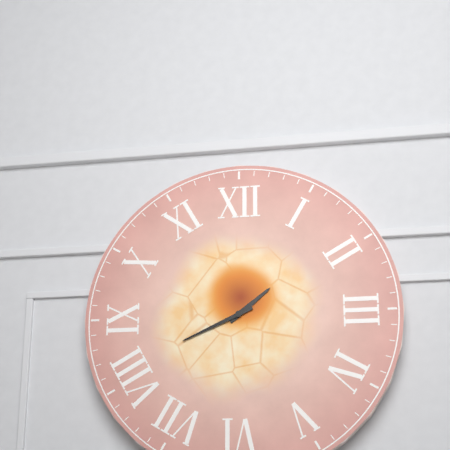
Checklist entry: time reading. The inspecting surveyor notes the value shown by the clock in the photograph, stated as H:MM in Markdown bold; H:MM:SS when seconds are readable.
**1:41**
